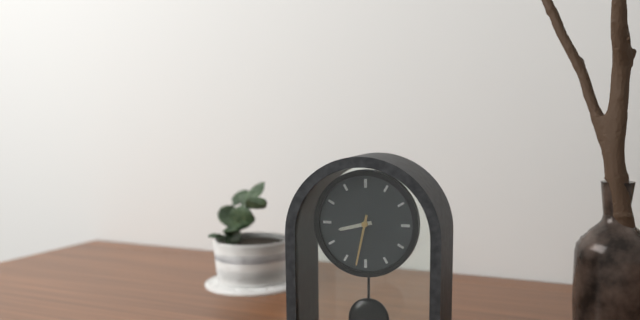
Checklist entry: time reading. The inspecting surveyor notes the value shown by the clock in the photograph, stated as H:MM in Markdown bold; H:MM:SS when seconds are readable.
**8:32**
